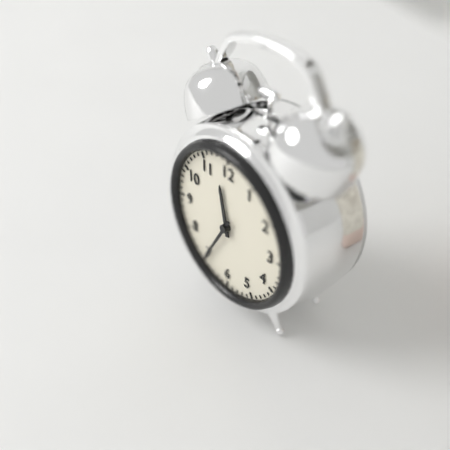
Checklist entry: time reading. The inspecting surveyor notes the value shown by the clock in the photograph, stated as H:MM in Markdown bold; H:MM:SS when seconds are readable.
**11:35**
